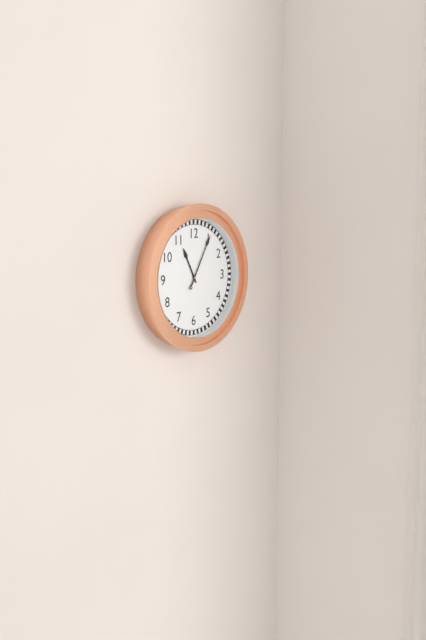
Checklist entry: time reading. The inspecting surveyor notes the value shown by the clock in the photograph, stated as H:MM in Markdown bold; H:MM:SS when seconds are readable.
**11:05**
